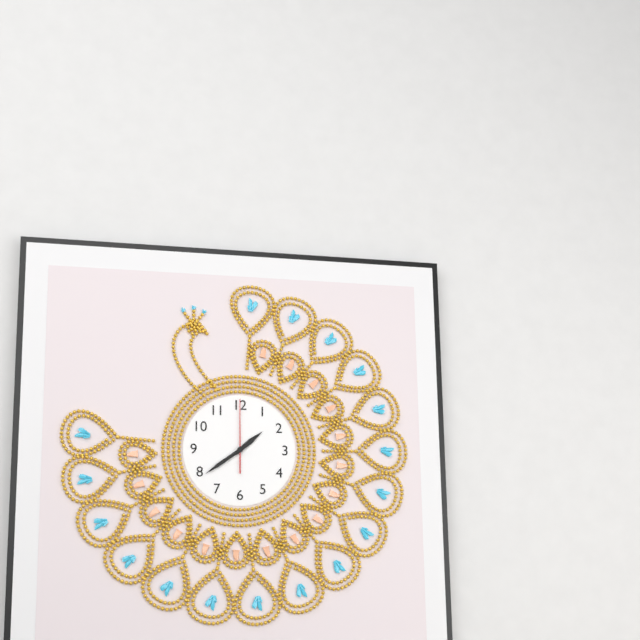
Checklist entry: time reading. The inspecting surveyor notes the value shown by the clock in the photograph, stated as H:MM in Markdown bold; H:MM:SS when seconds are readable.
**1:39:00**
